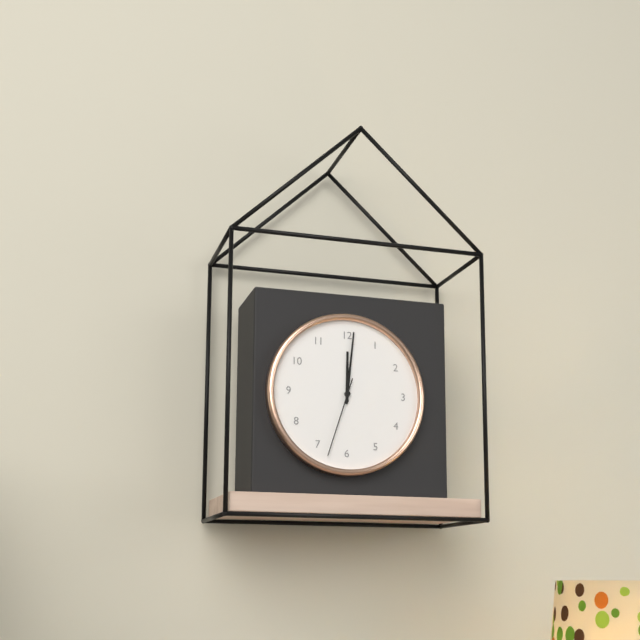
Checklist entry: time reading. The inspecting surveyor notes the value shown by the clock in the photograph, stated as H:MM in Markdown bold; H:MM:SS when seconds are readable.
**12:01:33**
